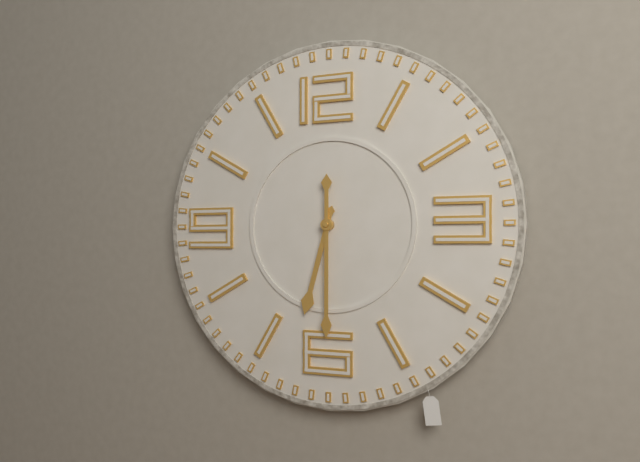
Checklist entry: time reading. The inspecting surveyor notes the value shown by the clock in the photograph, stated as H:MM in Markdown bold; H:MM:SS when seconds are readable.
**6:30**
